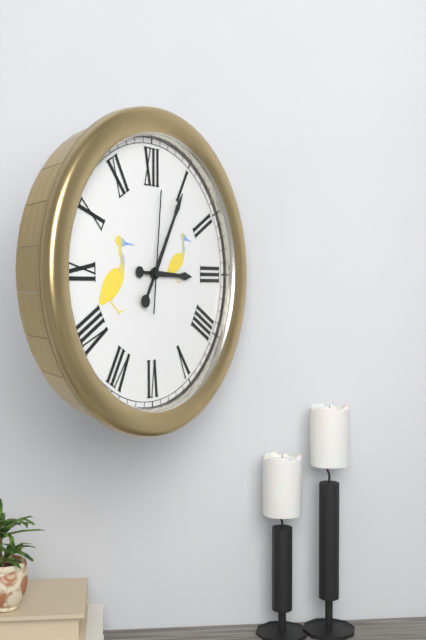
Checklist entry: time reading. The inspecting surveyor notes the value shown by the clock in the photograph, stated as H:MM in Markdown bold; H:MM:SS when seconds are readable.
**3:05:01**
